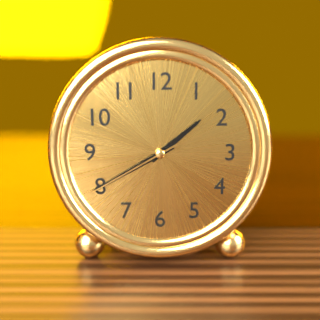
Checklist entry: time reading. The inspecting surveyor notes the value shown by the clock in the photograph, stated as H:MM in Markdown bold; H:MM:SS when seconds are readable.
**1:40:40**
